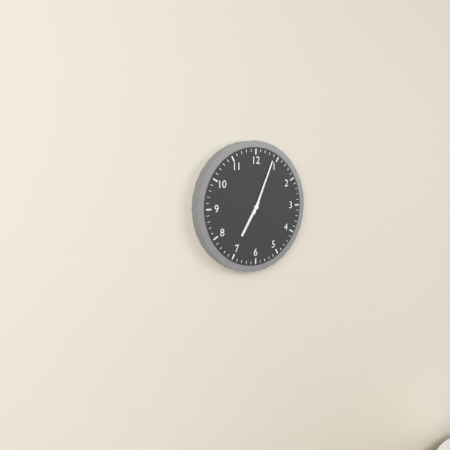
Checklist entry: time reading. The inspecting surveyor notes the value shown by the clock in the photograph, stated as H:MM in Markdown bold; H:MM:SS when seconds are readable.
**7:04**
